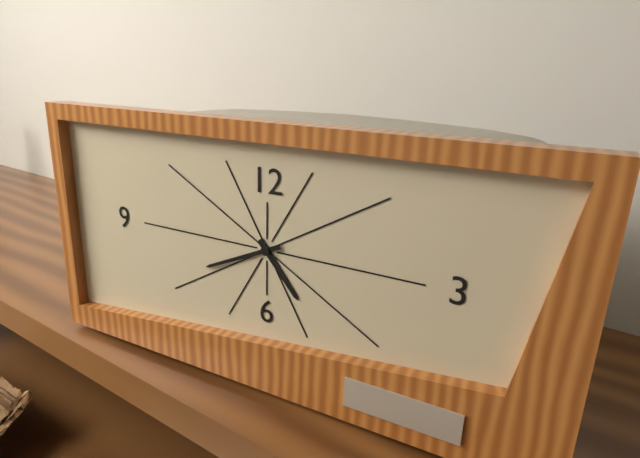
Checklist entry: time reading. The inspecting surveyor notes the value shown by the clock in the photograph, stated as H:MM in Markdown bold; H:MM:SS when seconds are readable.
**4:41**
